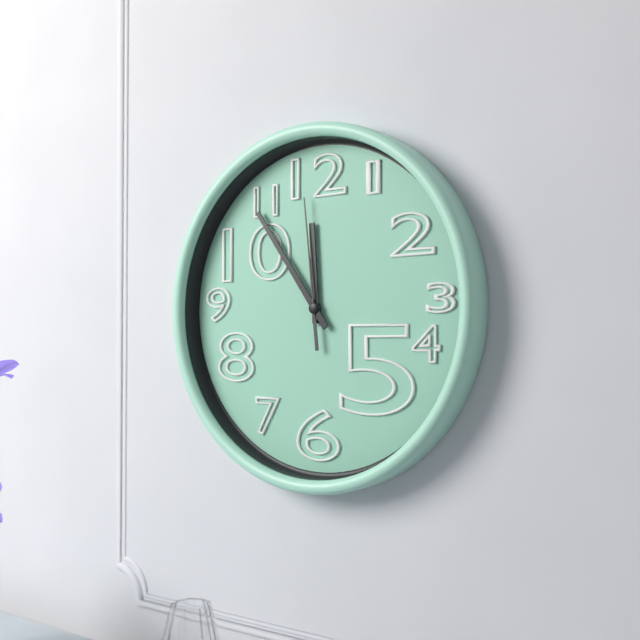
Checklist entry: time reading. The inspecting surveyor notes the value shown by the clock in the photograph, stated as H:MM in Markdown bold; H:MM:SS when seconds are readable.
**11:54:59**
